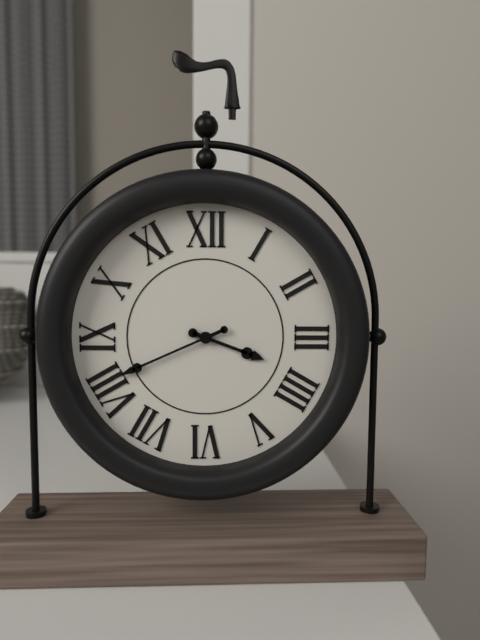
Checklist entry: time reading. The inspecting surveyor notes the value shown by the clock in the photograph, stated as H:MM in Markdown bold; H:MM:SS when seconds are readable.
**3:41**
